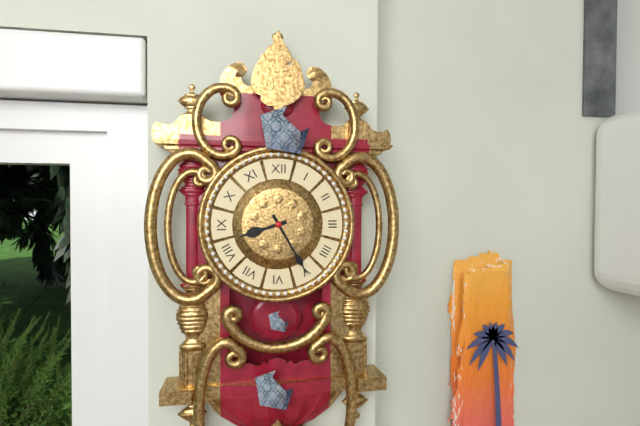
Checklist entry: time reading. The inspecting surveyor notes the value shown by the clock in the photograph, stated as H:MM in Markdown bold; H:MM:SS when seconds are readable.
**8:25**
